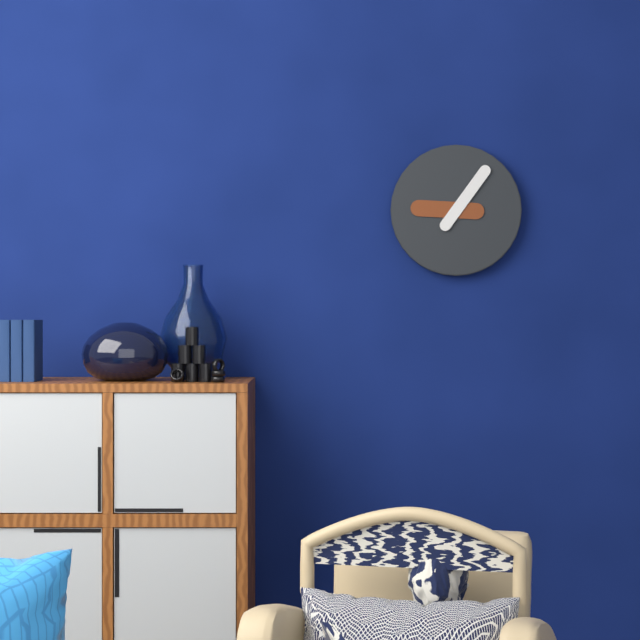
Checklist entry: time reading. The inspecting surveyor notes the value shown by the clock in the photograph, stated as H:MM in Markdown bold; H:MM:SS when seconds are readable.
**9:06**
